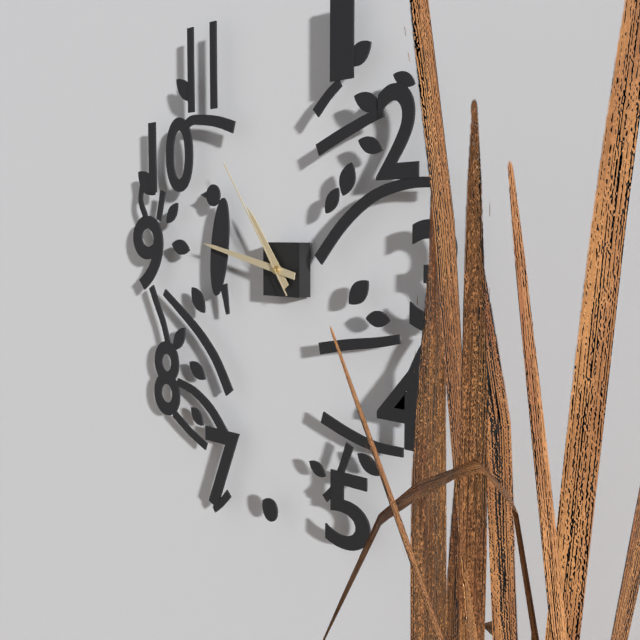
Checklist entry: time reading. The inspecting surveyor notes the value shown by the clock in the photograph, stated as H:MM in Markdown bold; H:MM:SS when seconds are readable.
**10:47:54**
